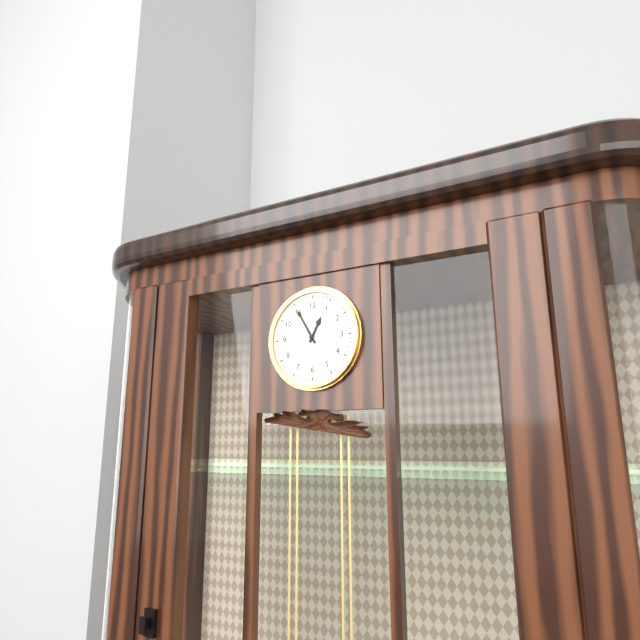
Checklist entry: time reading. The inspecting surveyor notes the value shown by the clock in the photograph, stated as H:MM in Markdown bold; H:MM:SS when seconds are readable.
**12:55**
